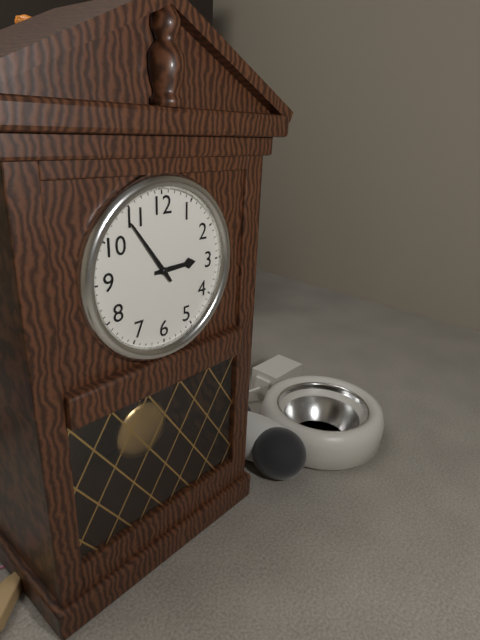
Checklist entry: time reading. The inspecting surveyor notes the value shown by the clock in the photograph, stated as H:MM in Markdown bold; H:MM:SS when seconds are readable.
**2:54**
